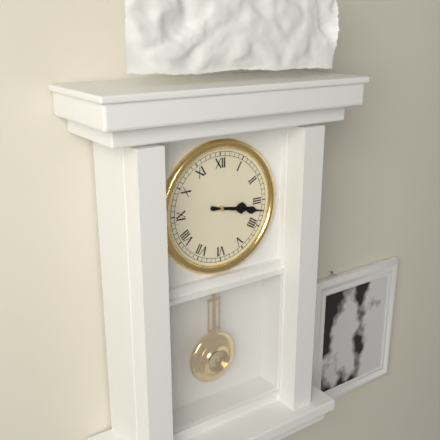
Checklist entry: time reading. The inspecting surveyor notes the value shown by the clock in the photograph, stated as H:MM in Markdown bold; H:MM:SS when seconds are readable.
**3:17**
